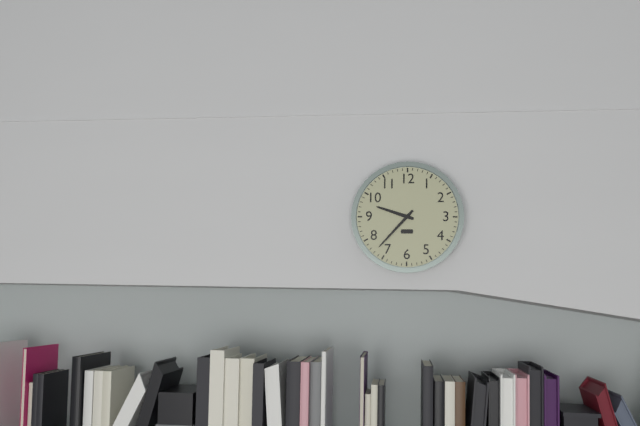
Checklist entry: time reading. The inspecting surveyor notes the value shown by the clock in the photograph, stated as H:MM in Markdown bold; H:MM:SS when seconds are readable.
**9:37**
